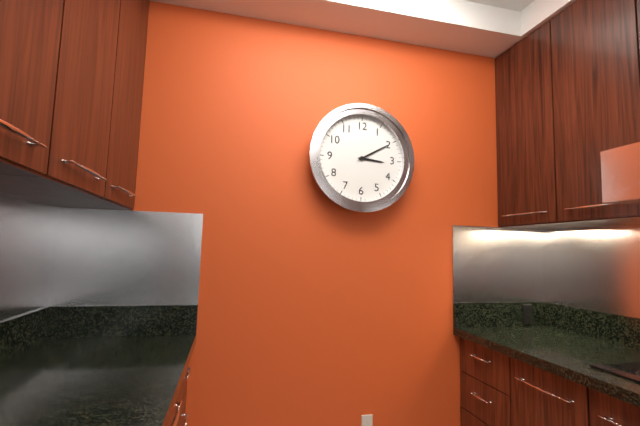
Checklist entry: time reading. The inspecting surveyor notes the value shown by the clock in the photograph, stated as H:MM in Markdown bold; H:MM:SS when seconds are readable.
**3:10**
